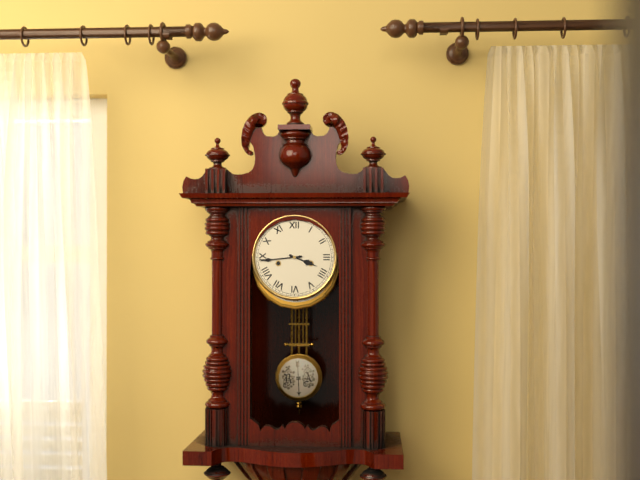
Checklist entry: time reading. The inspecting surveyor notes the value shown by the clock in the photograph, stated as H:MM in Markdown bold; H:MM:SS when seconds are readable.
**3:44**
